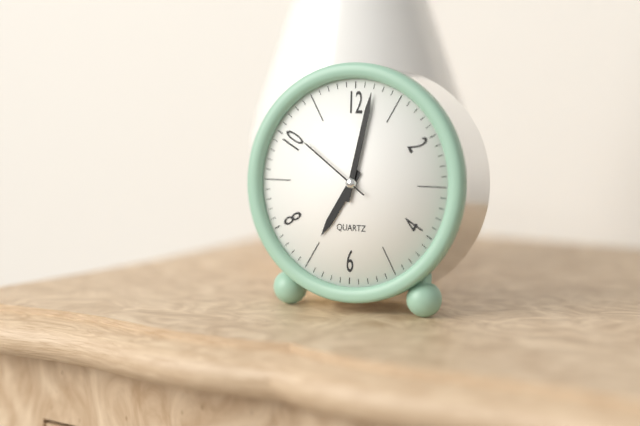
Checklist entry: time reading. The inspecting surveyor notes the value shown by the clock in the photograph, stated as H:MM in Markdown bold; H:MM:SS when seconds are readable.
**7:02:51**
